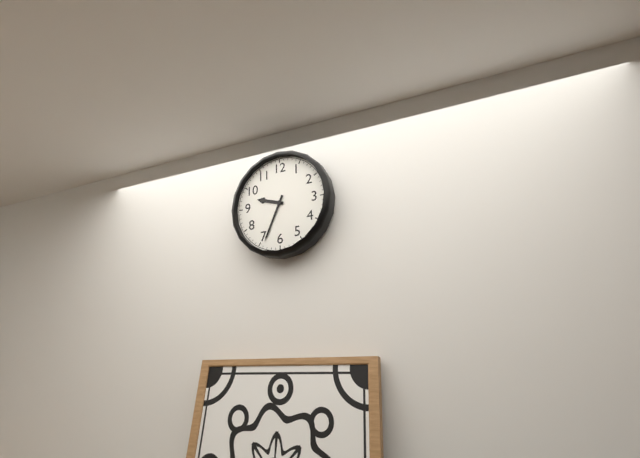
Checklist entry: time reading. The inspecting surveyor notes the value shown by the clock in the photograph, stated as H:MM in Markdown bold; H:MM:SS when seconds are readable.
**9:34**
